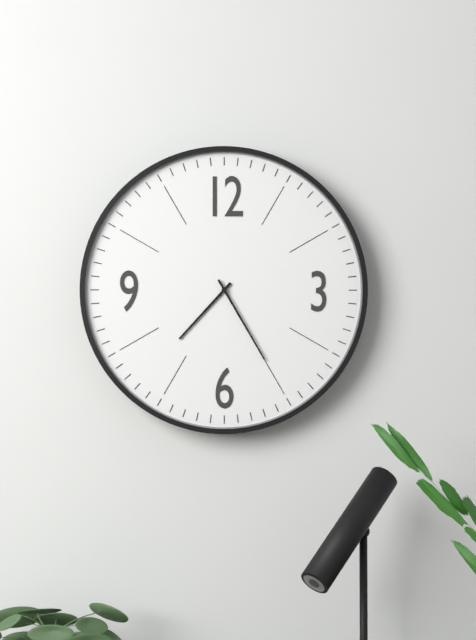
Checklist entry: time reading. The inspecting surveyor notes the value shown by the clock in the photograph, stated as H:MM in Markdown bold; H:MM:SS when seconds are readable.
**7:25**
